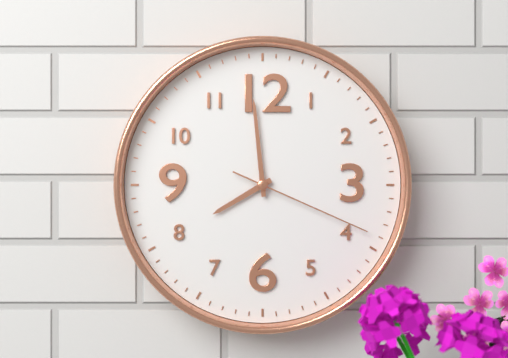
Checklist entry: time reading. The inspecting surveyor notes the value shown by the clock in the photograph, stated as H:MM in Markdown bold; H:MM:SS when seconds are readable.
**7:59:19**
